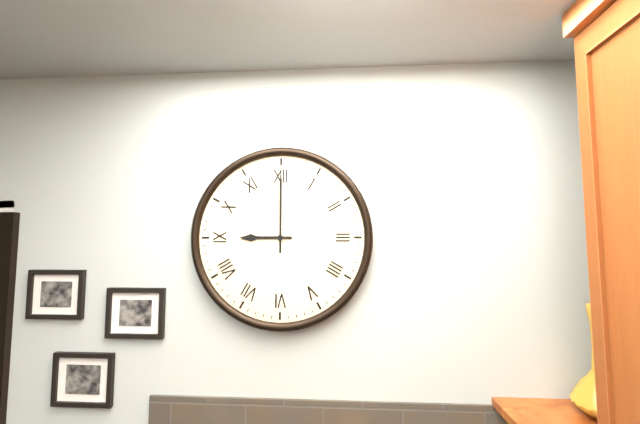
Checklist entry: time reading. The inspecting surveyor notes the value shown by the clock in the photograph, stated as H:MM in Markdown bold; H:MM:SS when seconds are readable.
**9:00**
